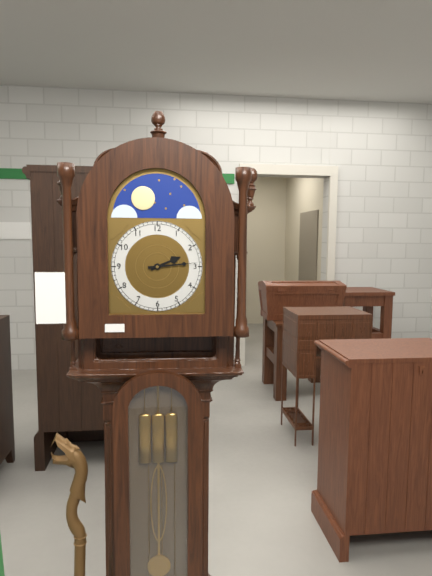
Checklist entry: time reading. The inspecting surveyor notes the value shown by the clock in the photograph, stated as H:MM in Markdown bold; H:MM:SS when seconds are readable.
**2:14**
